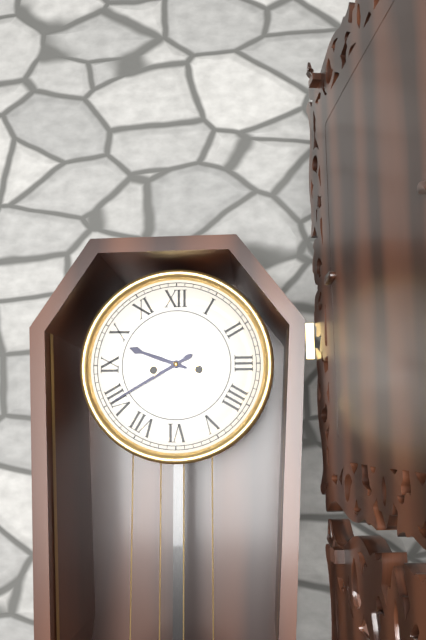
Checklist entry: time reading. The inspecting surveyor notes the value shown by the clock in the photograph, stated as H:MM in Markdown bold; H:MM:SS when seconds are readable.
**9:40**
